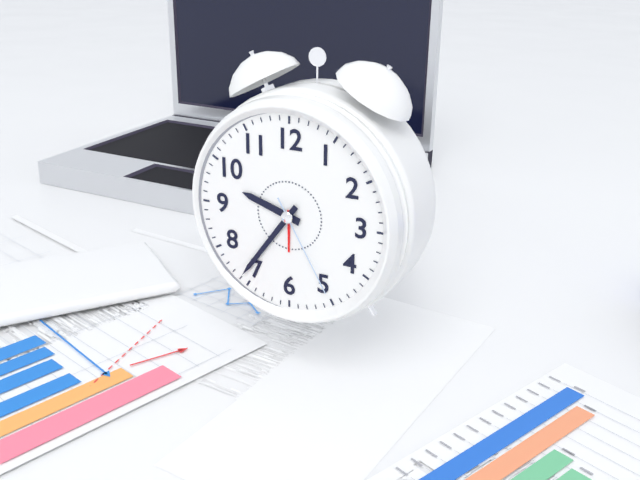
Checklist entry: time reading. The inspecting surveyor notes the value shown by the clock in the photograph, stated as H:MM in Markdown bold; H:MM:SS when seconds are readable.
**9:36:25**
